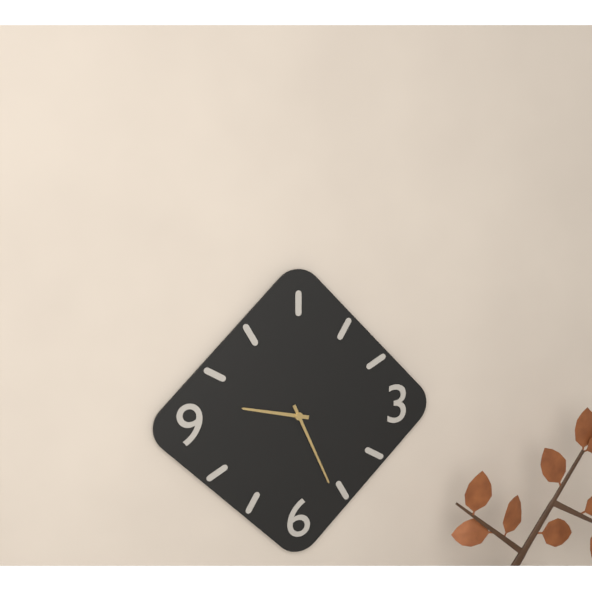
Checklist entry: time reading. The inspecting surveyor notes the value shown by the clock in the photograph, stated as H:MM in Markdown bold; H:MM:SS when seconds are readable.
**9:26**
